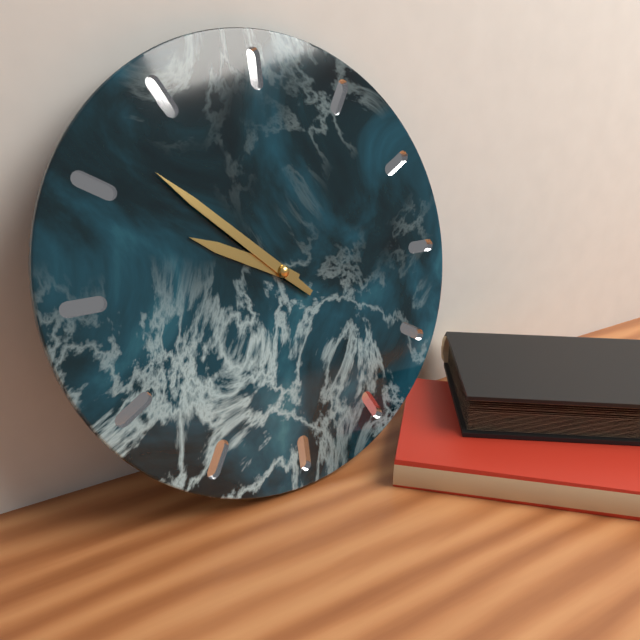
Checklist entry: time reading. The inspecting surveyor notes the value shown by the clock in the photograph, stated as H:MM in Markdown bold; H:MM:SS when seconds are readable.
**9:52**
